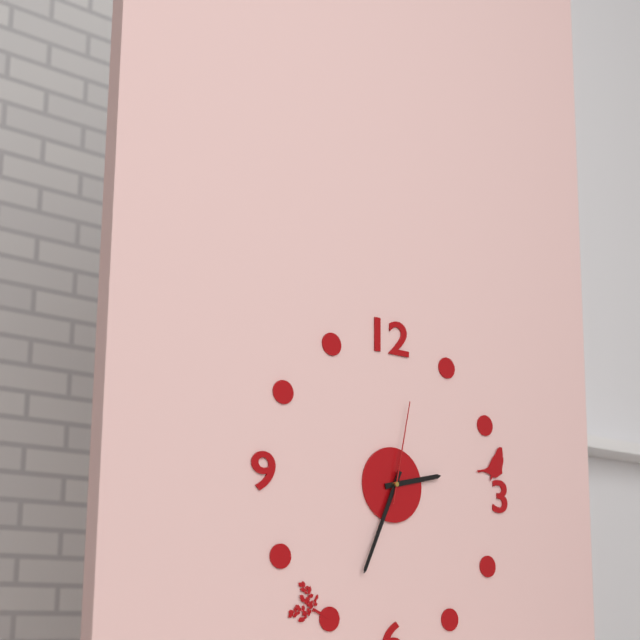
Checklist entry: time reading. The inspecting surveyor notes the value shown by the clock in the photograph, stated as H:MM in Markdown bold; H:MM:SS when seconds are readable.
**2:34:02**
